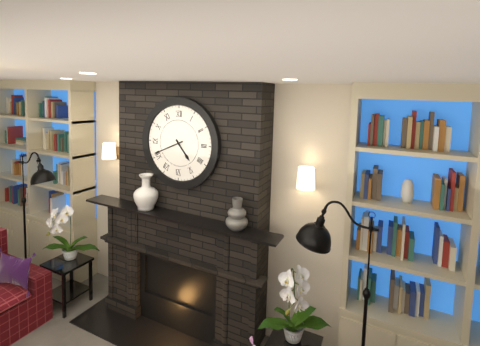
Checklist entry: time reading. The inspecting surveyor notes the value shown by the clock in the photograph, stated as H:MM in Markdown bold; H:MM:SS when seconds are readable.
**4:41**
